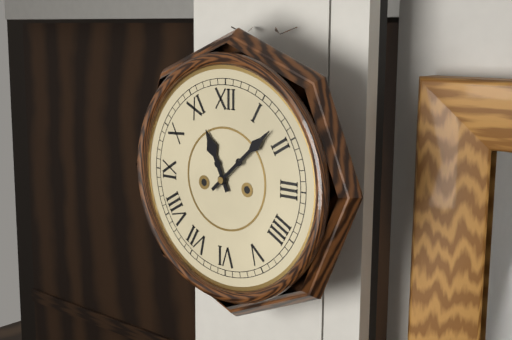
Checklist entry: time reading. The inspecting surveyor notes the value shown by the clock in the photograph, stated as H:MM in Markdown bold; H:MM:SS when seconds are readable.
**11:08**
